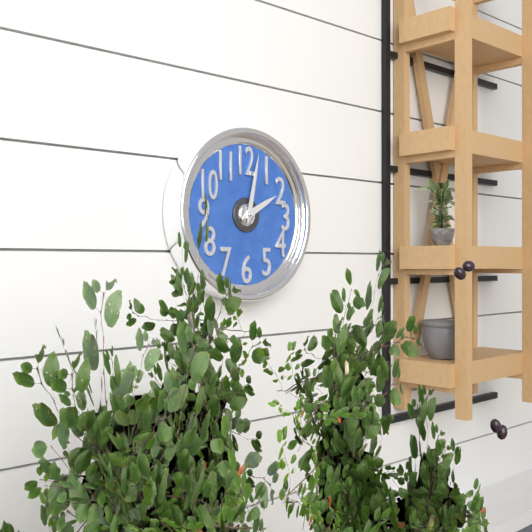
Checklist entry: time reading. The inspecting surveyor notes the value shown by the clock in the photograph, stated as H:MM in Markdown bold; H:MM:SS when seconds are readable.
**2:02**
